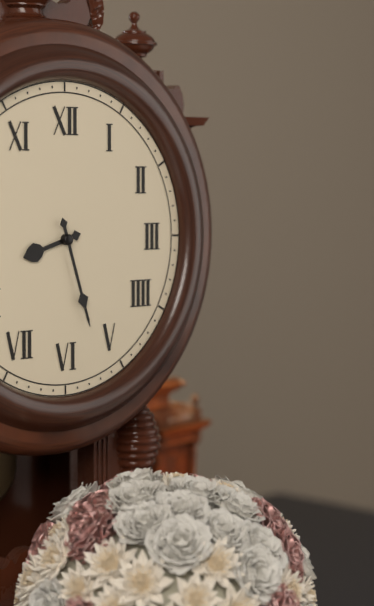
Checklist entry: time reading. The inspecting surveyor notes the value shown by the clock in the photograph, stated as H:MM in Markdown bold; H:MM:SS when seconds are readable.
**8:27**
